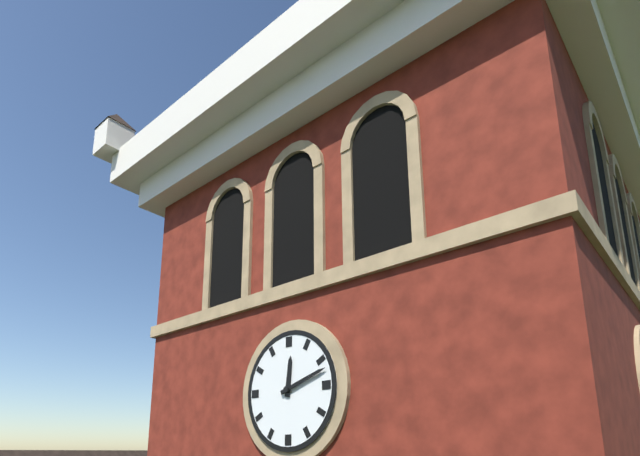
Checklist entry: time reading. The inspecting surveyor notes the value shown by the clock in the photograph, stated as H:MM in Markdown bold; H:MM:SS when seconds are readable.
**12:12**
